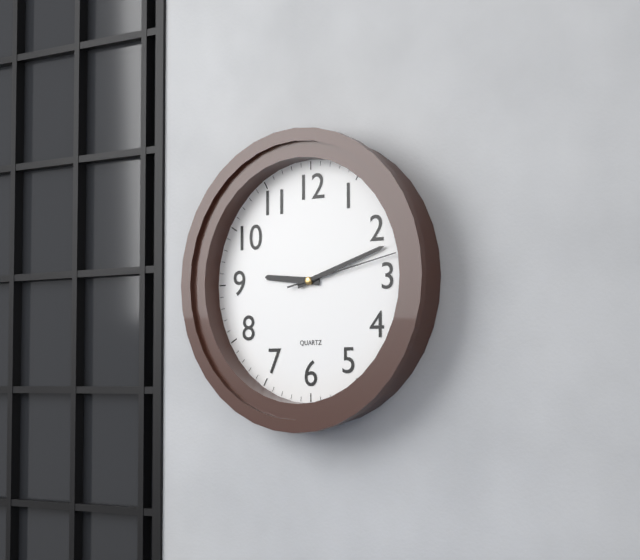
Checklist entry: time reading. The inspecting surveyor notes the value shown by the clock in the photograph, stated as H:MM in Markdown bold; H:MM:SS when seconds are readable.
**9:12:13**
